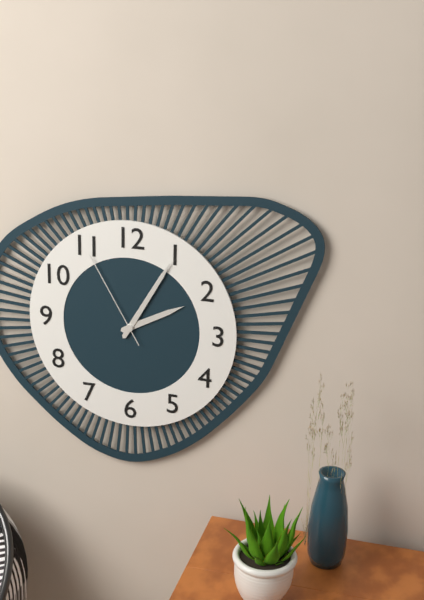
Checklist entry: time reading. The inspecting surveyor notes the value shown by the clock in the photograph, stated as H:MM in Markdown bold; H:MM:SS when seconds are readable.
**2:05:55**
